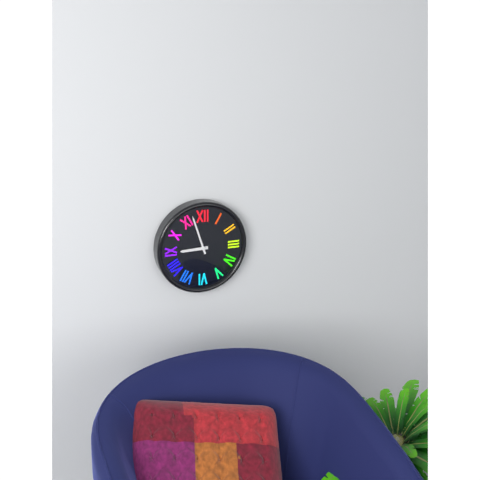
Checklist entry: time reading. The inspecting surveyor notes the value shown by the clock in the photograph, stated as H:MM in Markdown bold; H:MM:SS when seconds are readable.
**8:57**
